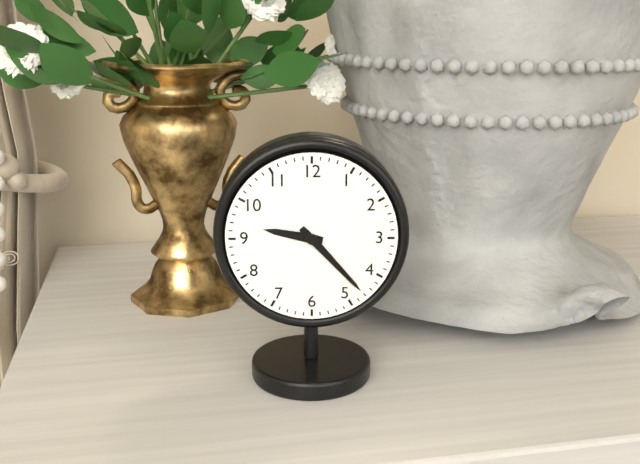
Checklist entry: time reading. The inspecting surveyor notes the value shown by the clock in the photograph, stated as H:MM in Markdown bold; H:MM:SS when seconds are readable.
**9:23**
